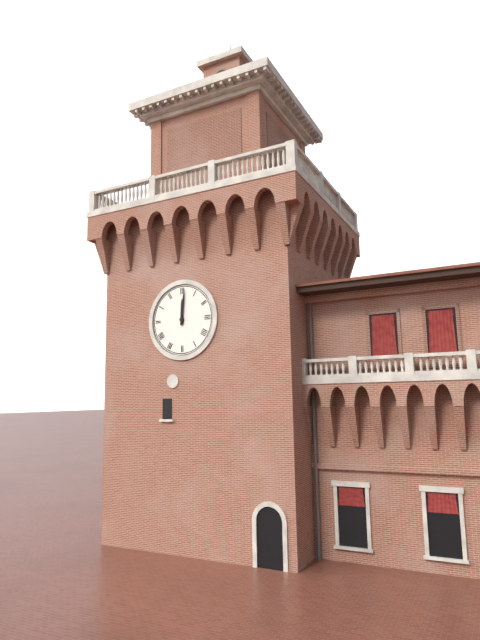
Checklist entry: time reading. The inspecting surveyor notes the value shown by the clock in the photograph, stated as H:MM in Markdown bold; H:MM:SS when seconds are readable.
**12:01**
